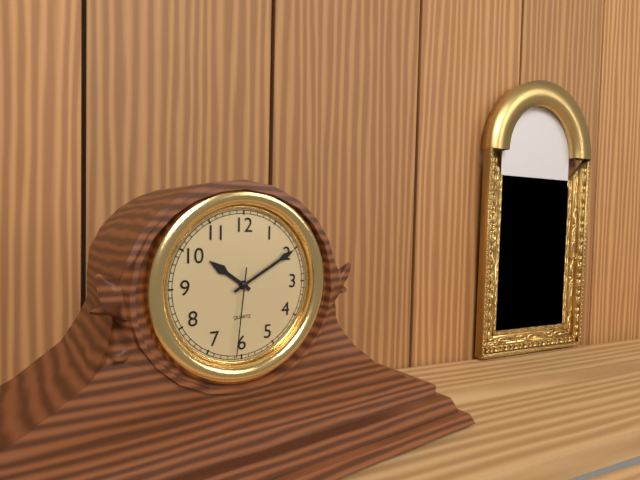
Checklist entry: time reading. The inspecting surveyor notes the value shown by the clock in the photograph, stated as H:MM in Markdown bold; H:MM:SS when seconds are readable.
**10:10:31**
